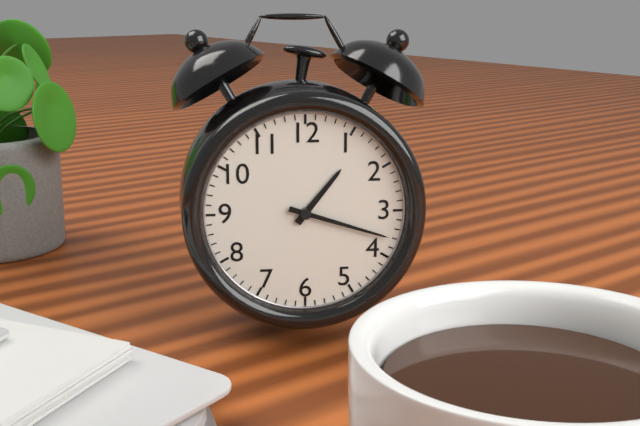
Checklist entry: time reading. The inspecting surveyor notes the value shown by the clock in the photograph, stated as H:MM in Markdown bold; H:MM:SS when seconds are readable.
**1:18**
